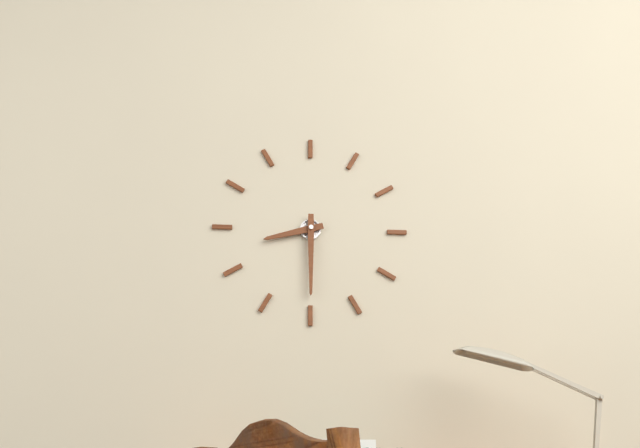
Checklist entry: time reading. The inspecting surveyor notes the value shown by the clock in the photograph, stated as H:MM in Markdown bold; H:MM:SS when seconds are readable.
**8:30**
